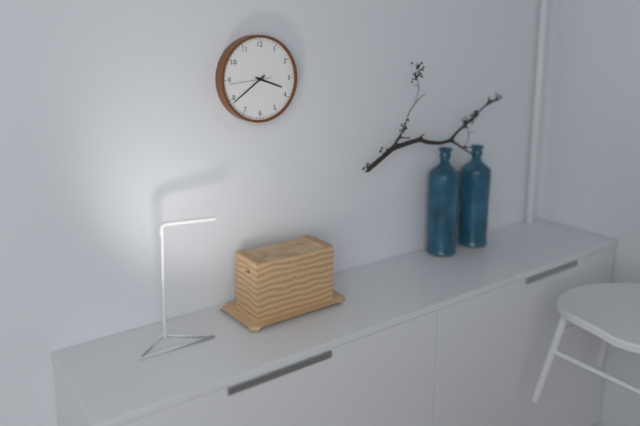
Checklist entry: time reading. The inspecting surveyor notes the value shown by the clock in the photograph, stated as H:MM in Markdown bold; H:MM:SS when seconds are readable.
**3:39**
